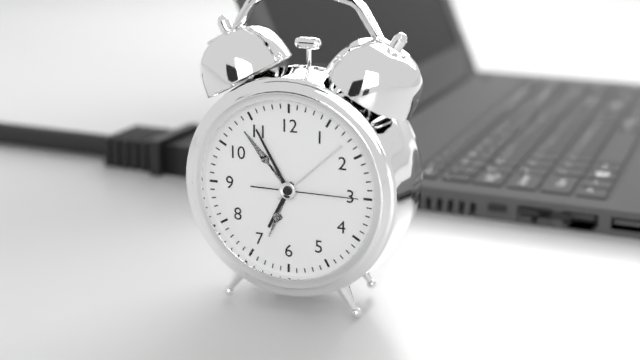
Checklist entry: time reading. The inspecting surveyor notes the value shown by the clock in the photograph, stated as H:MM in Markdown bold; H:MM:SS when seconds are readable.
**6:55:15**
